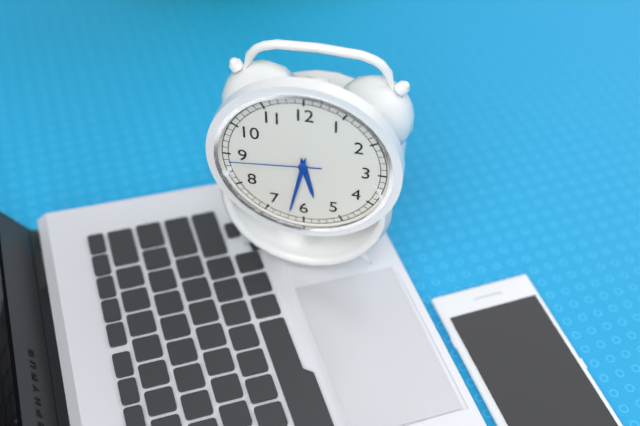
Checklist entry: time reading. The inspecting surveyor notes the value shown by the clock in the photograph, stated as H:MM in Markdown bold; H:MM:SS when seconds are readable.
**5:32:44**
